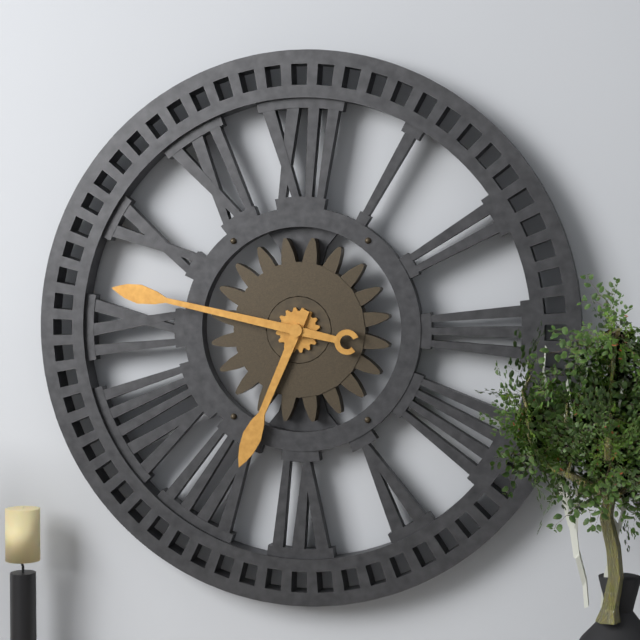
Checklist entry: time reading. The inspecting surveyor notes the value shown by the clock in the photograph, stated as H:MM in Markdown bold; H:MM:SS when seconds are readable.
**6:47**
